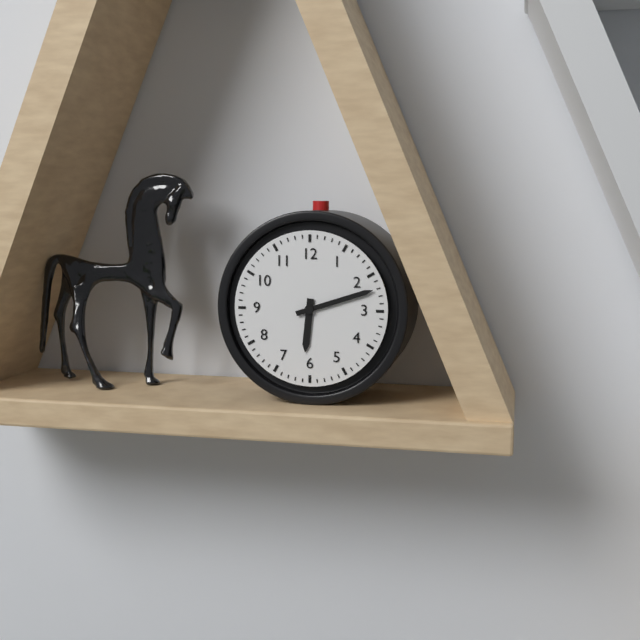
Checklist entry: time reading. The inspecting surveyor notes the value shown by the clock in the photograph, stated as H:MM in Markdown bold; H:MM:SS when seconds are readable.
**6:12**
